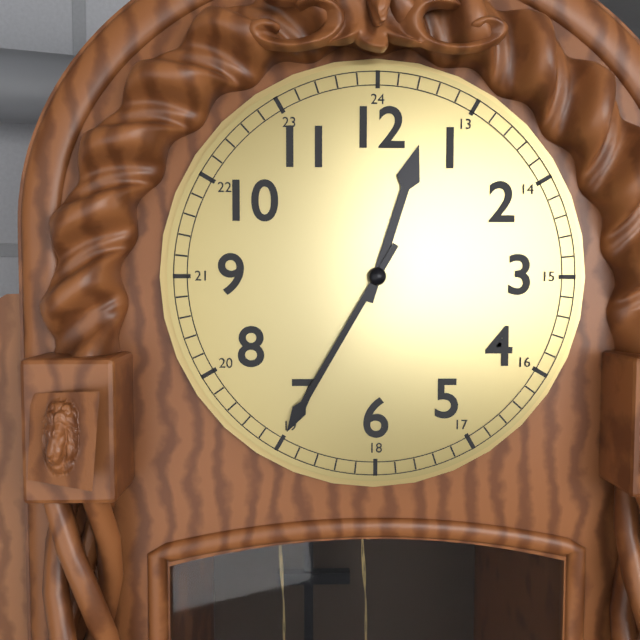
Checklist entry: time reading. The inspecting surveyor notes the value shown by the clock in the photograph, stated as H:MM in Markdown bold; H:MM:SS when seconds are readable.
**12:35**
